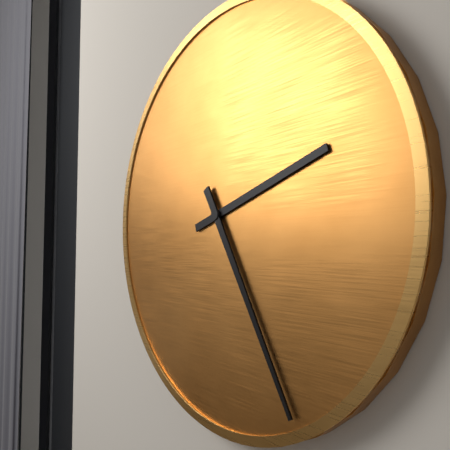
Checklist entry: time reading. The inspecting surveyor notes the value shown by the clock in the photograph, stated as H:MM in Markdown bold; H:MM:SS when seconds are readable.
**2:25**
